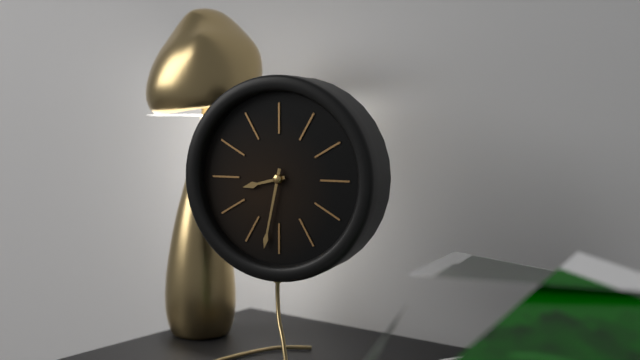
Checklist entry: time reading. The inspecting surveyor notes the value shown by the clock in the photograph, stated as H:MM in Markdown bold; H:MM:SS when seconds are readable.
**8:32**
